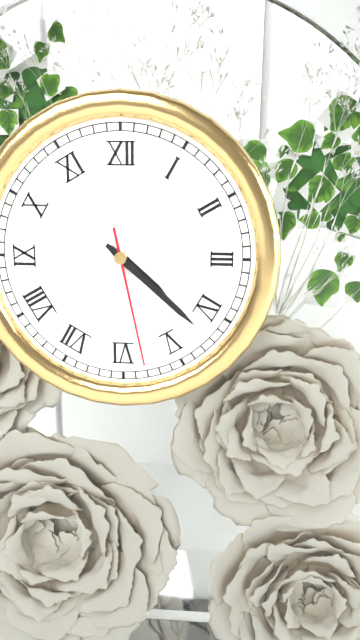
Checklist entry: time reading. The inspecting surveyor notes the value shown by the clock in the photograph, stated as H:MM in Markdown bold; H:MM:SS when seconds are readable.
**4:22:28**
